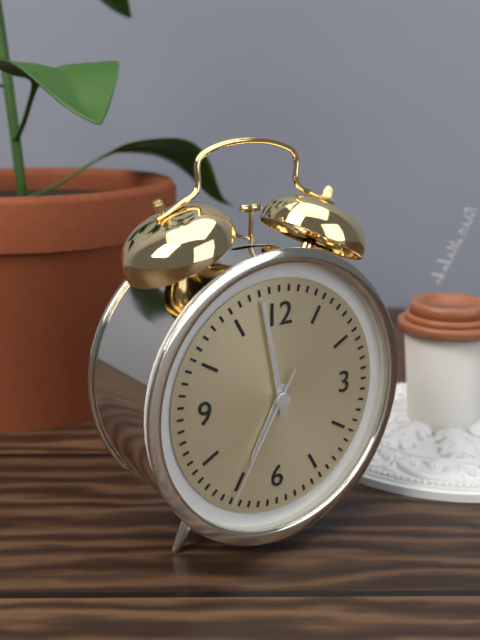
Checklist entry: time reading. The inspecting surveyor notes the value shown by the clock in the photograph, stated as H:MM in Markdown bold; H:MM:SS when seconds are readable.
**6:58:35**
